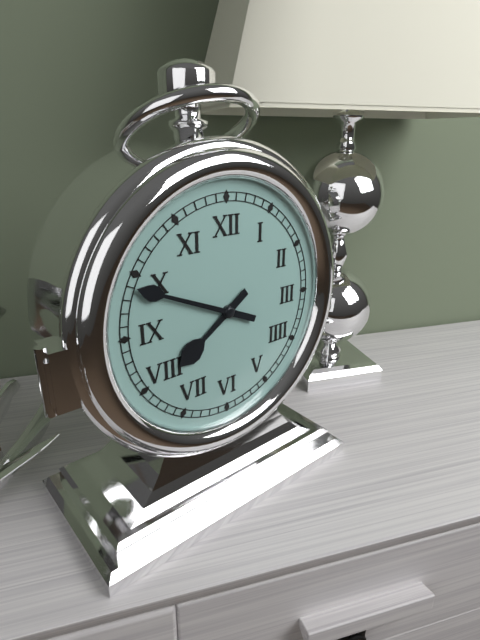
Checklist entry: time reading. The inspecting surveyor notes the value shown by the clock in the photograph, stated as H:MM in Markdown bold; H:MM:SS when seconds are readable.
**7:49**
